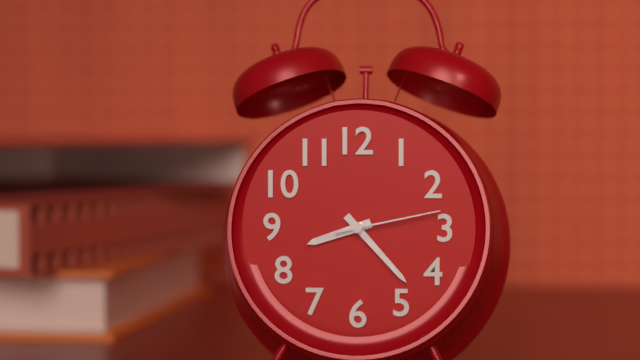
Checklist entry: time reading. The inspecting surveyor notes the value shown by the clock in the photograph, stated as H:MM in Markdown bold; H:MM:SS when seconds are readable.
**8:23:13**
